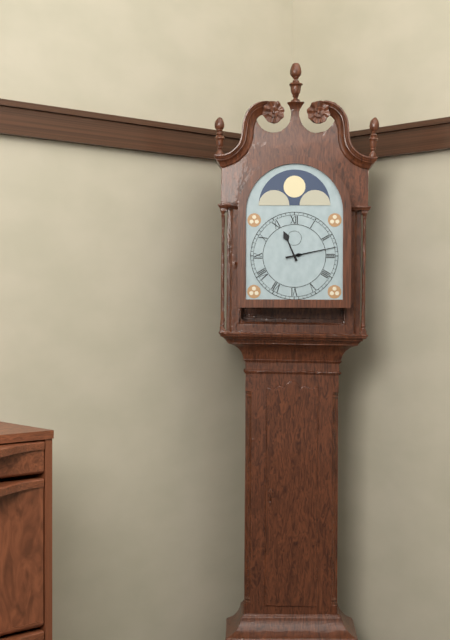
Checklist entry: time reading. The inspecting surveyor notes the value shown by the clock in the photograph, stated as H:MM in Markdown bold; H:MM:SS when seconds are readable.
**11:13**
